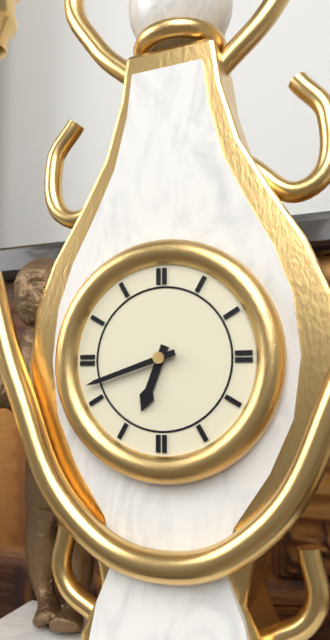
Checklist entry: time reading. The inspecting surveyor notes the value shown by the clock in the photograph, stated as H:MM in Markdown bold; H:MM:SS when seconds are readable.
**6:42**
